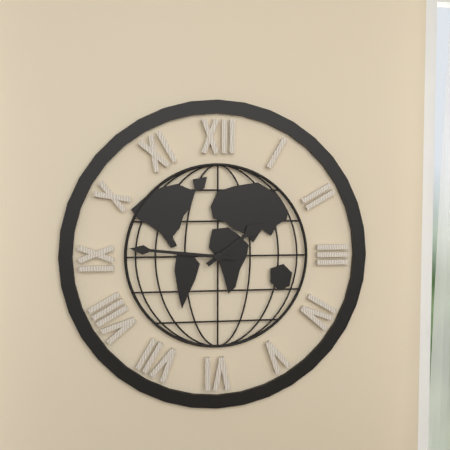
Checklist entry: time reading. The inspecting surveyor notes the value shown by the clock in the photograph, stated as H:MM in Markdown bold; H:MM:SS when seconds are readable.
**1:46**
